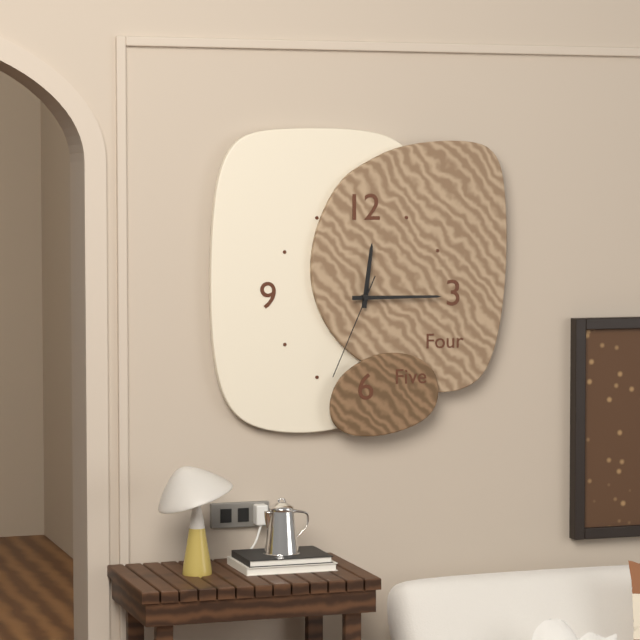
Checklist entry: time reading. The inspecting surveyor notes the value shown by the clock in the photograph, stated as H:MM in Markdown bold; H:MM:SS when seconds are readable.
**12:15:34**
